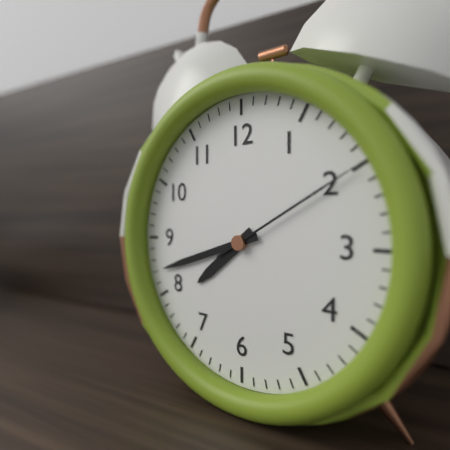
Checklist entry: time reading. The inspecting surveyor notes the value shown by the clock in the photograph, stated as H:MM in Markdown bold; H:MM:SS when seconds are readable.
**7:42:10**
